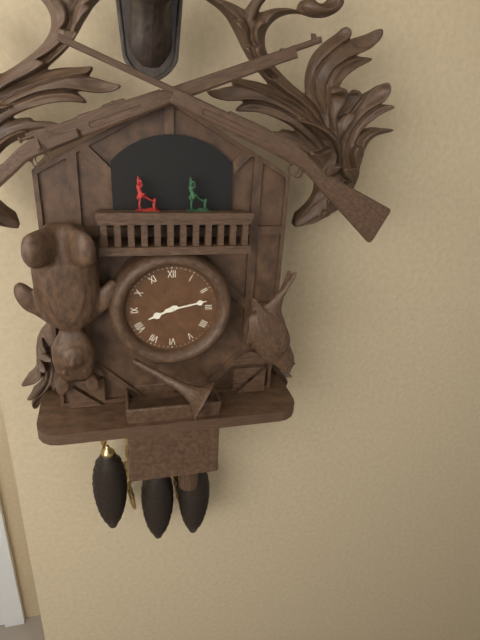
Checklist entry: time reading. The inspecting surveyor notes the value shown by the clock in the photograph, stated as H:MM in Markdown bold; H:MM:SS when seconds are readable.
**8:13**
